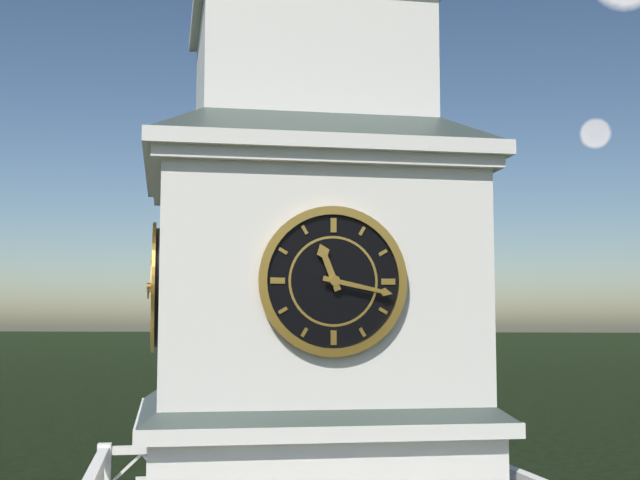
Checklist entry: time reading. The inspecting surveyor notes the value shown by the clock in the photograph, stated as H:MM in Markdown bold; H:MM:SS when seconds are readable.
**11:17**
